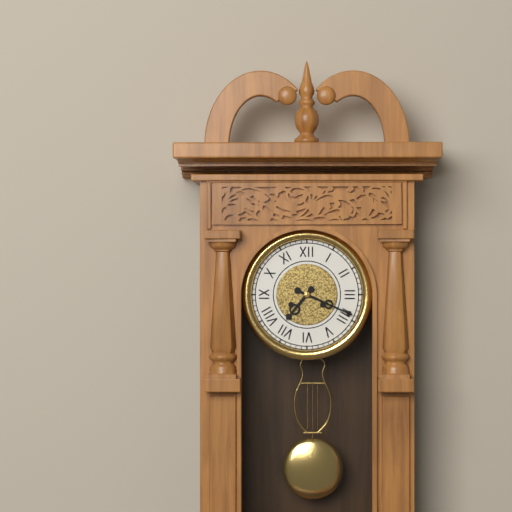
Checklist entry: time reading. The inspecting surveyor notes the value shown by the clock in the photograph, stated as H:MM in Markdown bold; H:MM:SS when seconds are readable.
**7:19**
